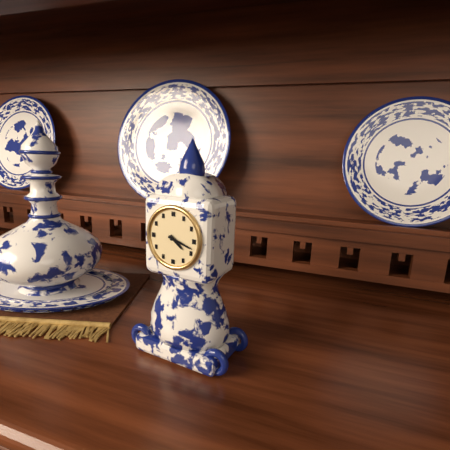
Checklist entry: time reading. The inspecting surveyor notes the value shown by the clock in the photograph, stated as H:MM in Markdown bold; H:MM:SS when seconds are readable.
**4:18**
